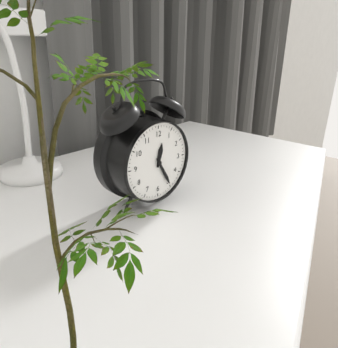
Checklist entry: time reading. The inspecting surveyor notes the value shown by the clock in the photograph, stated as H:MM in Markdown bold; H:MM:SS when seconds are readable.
**12:25**
